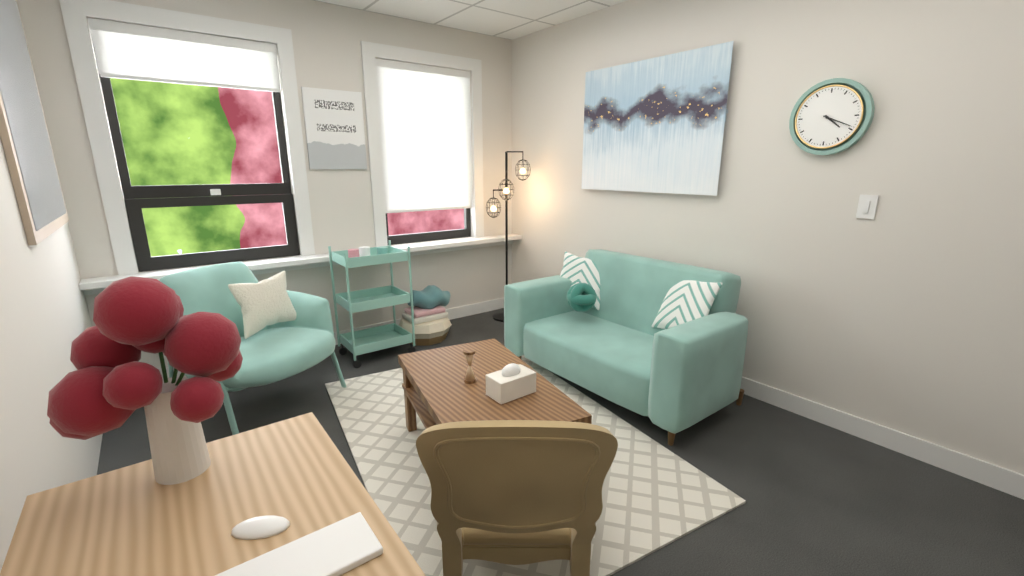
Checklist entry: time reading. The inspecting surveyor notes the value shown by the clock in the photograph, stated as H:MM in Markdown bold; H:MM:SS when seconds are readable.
**4:19**
